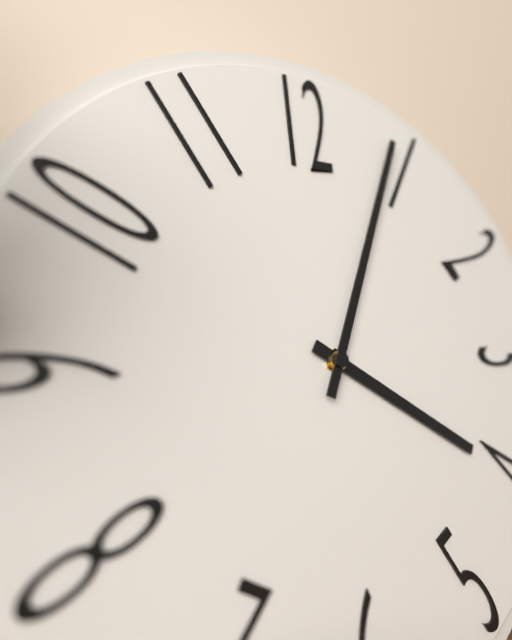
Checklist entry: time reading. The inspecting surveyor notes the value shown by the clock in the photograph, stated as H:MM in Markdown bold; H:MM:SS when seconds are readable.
**4:04**
